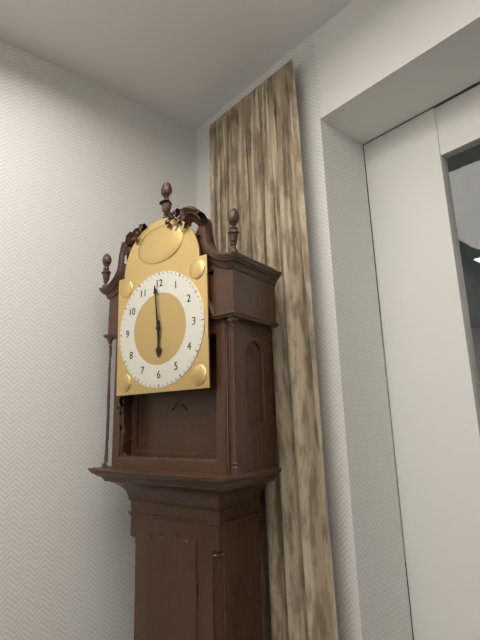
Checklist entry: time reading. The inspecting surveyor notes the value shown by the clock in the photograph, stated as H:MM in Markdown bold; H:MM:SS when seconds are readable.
**5:59**
